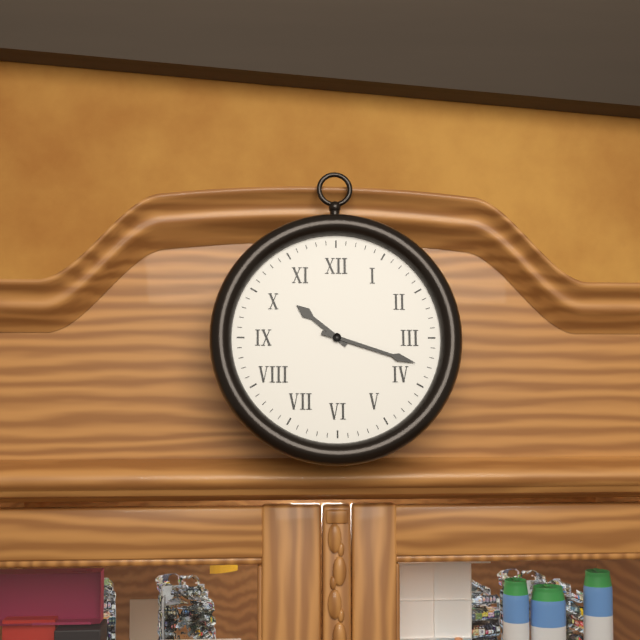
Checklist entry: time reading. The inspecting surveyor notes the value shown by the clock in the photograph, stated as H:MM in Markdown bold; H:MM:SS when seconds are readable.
**10:18**
